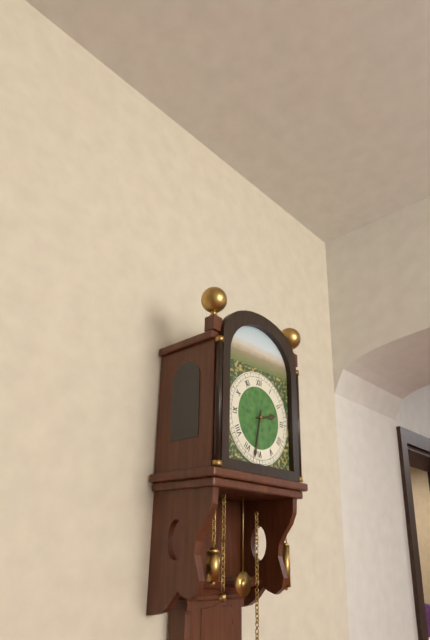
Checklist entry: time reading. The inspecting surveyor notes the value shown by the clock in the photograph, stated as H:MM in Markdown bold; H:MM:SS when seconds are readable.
**2:32**
